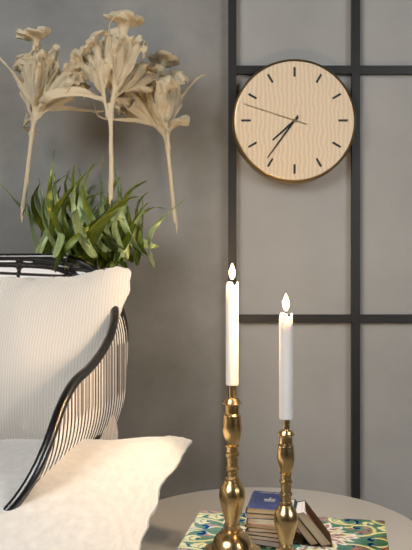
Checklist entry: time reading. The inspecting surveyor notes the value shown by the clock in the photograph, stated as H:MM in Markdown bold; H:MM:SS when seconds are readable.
**7:36:48**
